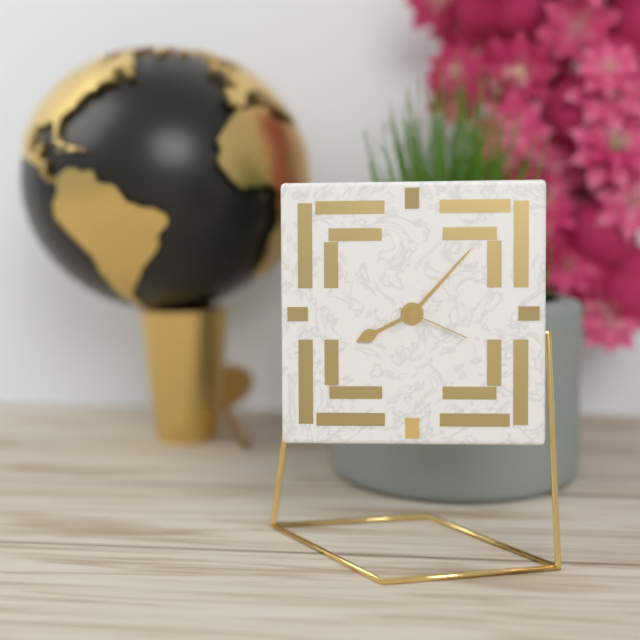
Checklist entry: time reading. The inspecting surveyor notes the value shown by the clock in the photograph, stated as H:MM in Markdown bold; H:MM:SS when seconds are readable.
**8:07:19**
